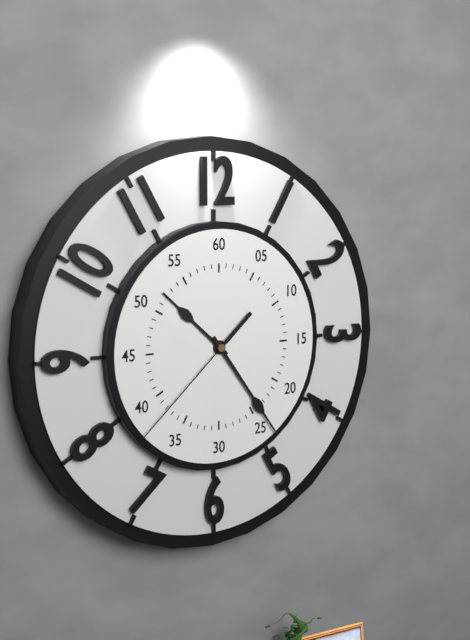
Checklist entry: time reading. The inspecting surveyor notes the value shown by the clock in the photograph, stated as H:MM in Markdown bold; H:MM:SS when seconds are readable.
**10:24:38**
